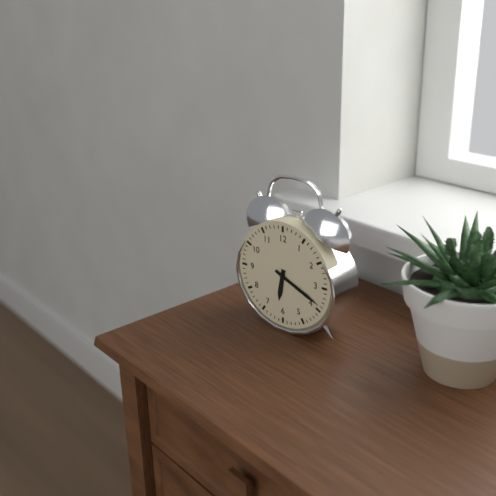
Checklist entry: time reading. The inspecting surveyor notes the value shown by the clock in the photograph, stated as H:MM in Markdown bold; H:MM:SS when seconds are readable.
**6:19**
